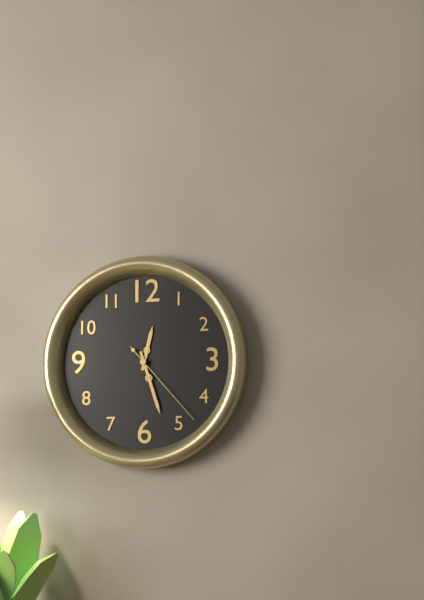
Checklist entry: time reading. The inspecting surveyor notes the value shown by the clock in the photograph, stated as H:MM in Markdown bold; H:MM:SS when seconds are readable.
**12:27:23**
